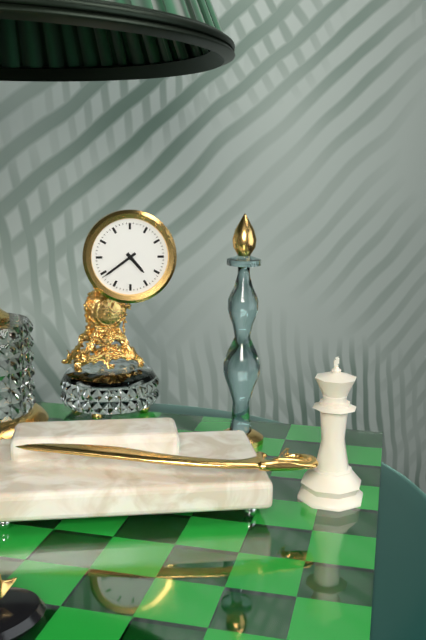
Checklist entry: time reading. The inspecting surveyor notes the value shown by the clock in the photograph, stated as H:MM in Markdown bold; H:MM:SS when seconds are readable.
**4:39**
